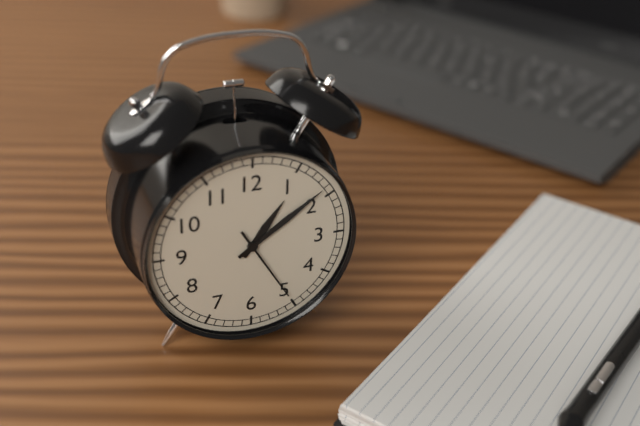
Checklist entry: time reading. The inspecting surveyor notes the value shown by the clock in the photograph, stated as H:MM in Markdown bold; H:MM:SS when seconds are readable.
**1:09:25**
